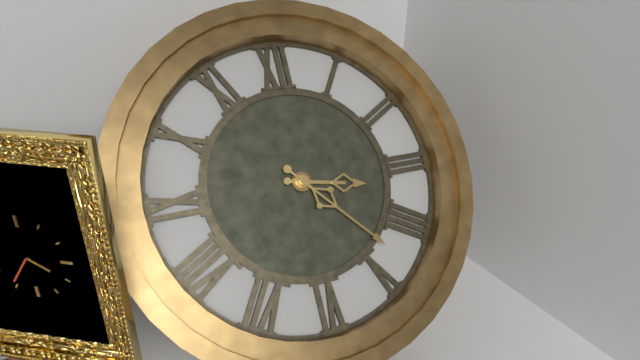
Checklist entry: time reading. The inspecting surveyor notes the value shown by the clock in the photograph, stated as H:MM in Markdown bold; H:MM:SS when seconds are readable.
**3:23**
